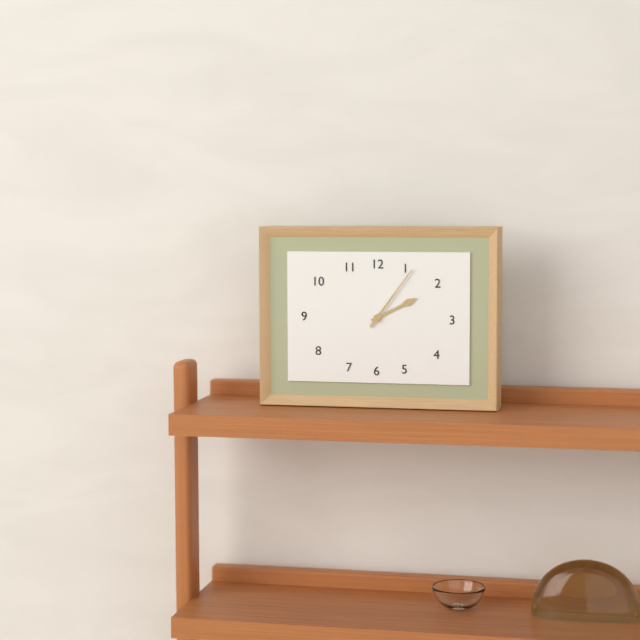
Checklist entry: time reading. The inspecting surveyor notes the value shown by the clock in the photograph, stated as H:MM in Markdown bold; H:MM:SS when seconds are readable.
**2:06**
